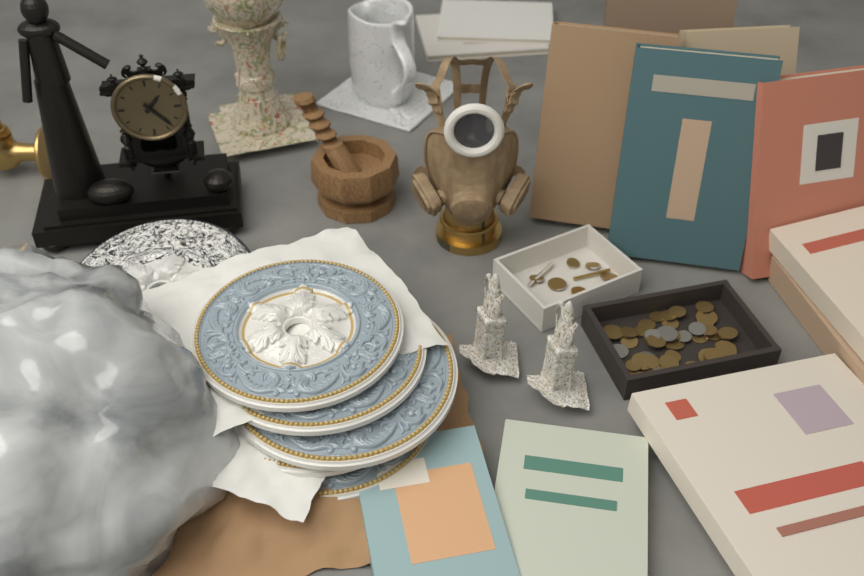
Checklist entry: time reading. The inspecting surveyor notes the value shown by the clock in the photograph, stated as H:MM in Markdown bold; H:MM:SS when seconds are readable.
**1:23**
